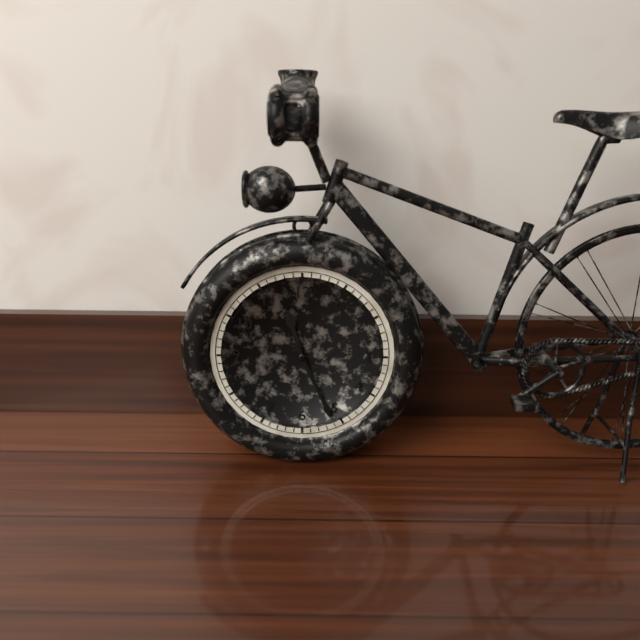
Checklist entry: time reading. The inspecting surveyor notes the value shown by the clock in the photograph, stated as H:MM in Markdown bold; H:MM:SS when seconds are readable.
**11:26**
